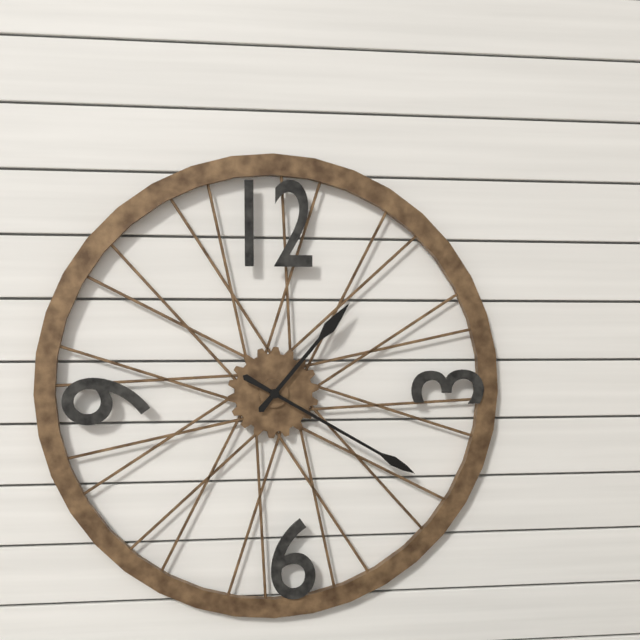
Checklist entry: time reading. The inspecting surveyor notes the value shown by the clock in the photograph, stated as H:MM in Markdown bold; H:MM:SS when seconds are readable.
**1:20**
